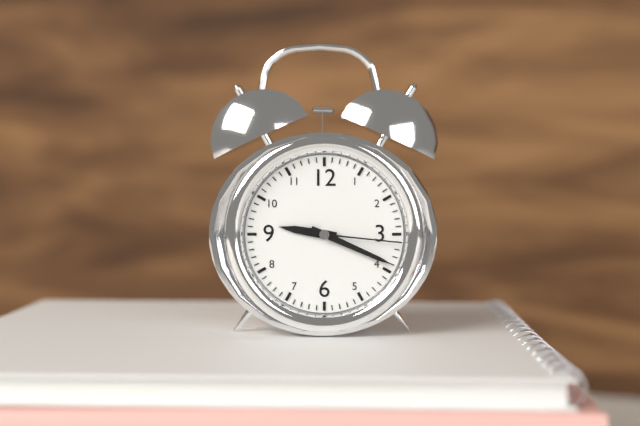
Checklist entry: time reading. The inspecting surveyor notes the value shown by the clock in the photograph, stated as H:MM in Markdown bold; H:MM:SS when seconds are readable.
**9:19:16**
